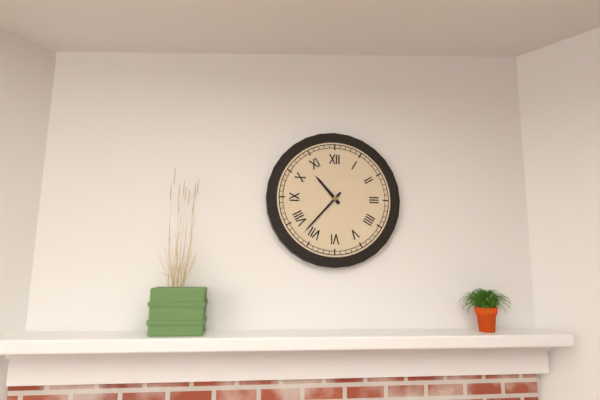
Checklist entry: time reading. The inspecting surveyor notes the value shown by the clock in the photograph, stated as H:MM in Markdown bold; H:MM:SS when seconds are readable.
**10:37**
